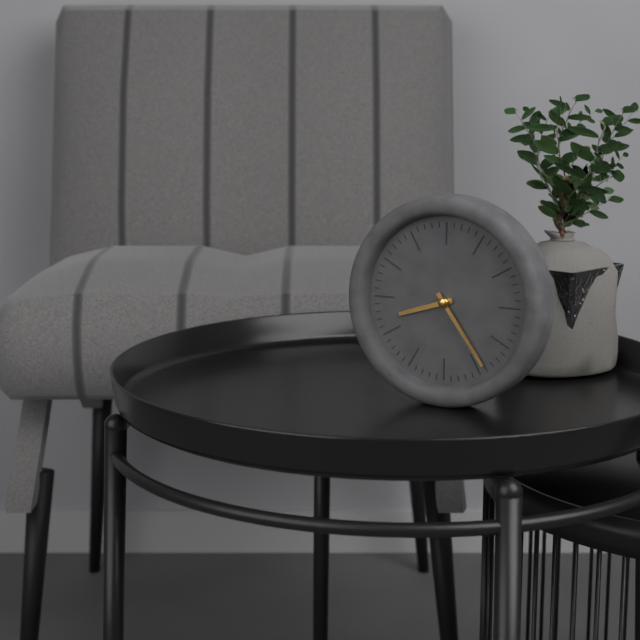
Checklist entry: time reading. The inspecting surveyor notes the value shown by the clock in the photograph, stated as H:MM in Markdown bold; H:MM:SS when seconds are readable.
**8:24**
